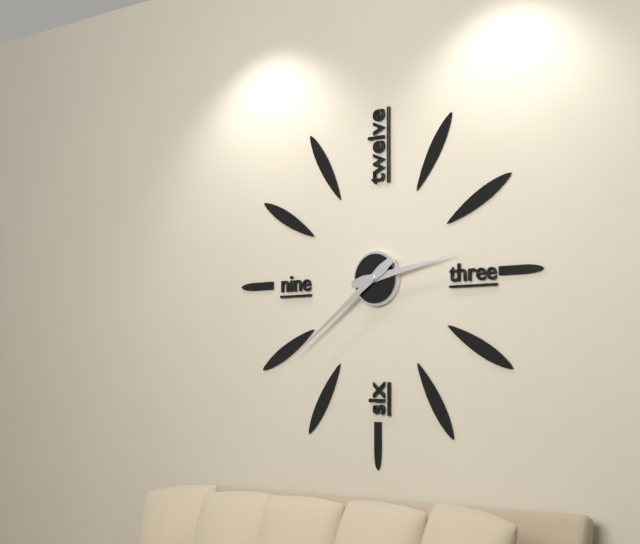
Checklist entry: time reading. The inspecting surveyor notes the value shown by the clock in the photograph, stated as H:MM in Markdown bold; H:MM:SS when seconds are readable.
**2:39**
